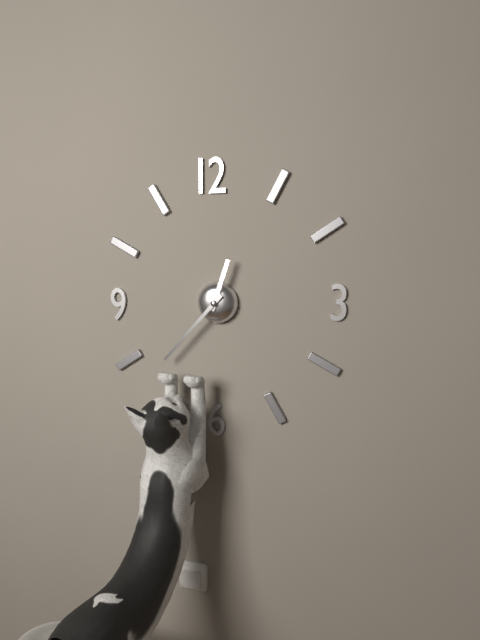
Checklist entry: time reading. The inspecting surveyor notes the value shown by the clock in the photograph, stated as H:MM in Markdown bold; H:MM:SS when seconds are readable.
**12:37**
